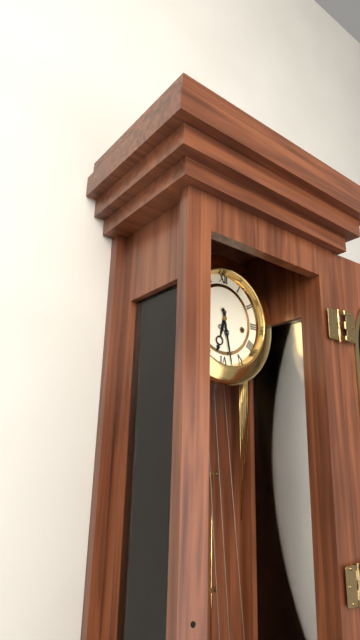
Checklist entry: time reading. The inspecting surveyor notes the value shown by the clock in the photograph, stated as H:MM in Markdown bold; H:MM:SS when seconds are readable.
**6:28**
